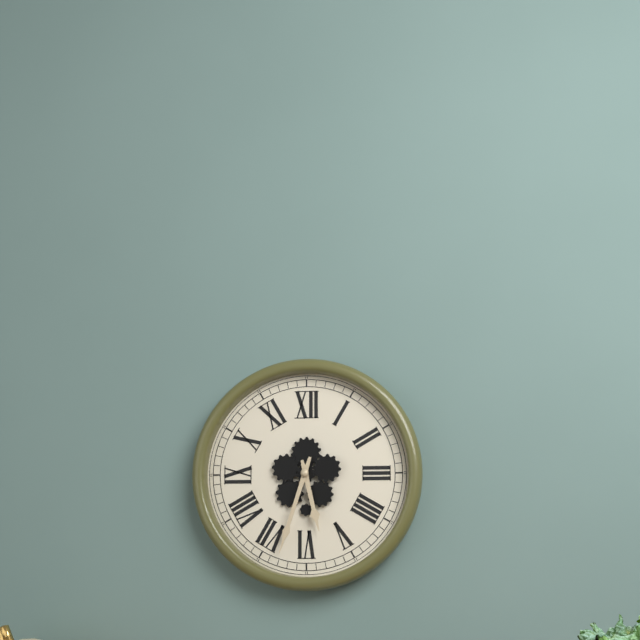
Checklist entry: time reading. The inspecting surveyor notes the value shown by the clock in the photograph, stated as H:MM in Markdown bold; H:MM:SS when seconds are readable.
**5:33**
